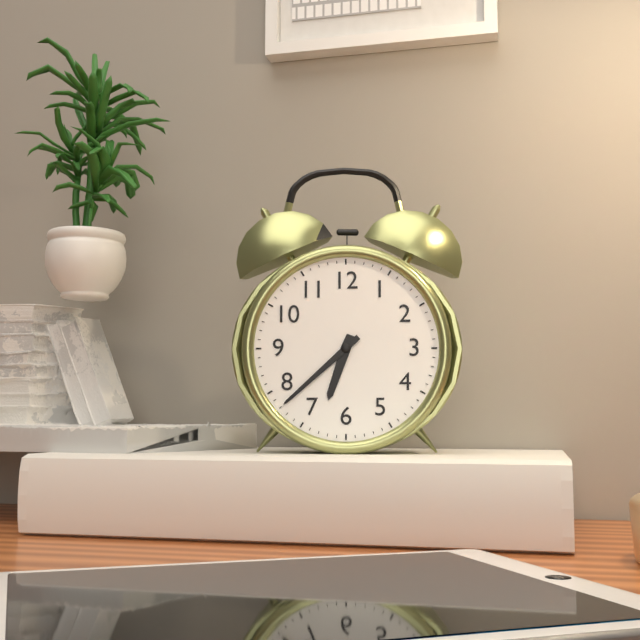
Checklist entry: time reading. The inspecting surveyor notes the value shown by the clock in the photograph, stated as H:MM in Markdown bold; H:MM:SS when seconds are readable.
**6:38**
